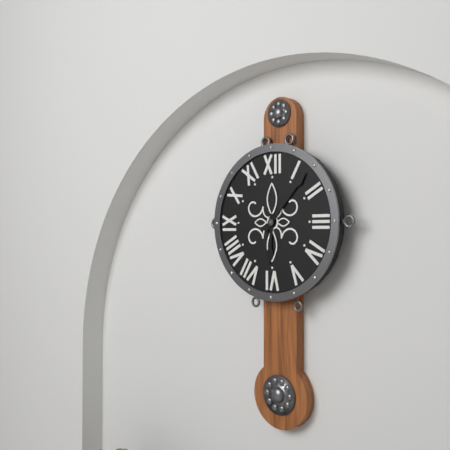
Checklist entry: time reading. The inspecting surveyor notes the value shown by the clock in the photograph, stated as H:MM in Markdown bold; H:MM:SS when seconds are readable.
**6:07**
